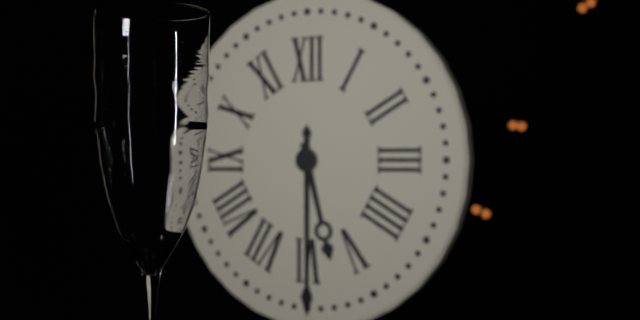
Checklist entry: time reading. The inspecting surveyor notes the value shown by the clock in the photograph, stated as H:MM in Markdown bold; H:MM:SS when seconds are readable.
**5:30**
